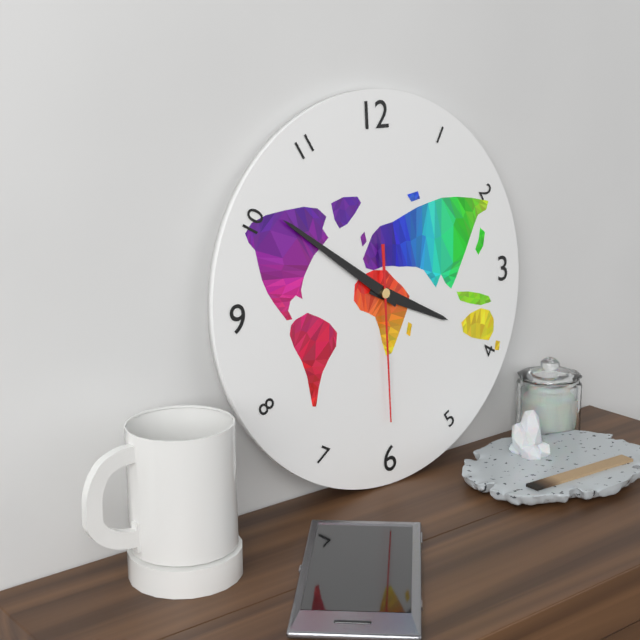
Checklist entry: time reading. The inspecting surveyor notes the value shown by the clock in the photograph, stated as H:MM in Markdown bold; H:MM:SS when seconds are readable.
**3:51:30**
